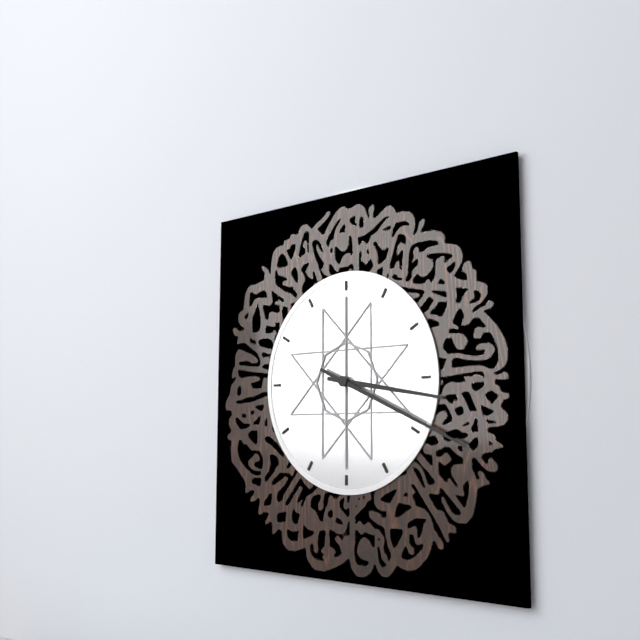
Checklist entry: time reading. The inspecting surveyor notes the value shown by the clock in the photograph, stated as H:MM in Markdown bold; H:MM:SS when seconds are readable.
**3:19**
